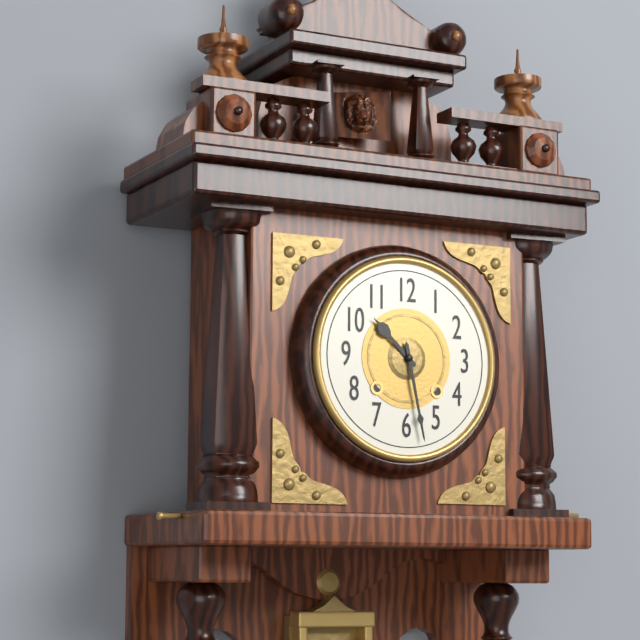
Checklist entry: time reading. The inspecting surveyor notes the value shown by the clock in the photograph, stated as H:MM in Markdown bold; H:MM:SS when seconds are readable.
**10:28**
